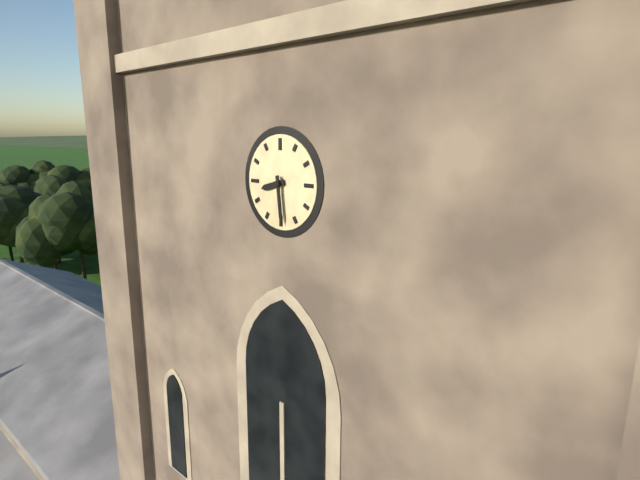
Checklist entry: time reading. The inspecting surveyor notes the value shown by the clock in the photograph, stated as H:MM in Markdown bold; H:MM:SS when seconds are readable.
**8:29**
